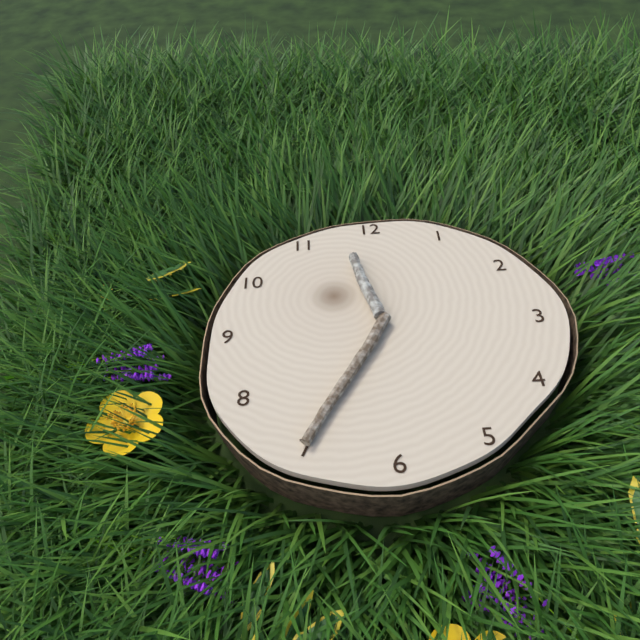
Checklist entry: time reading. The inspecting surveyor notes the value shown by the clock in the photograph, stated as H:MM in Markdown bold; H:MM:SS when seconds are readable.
**11:35**
